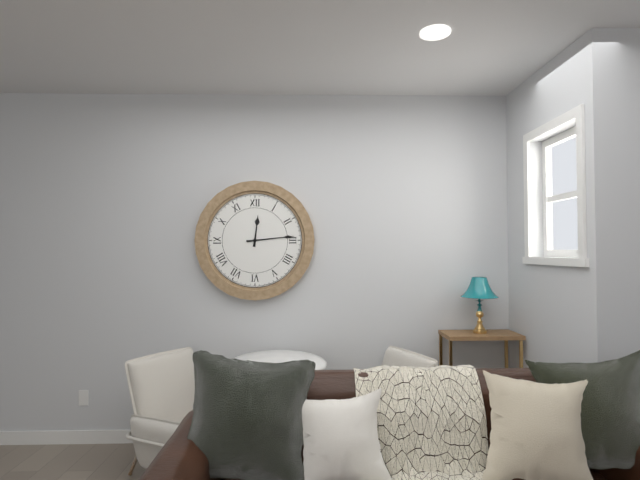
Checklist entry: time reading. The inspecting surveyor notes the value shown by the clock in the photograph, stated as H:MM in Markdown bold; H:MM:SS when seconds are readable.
**12:14**
